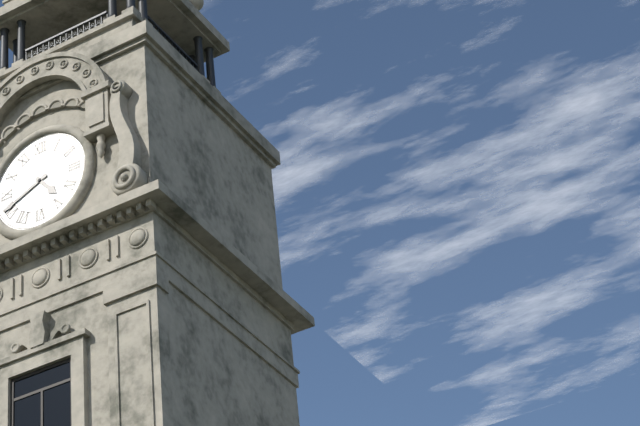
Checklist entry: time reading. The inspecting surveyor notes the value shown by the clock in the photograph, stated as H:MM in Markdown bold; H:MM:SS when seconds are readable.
**4:41**
